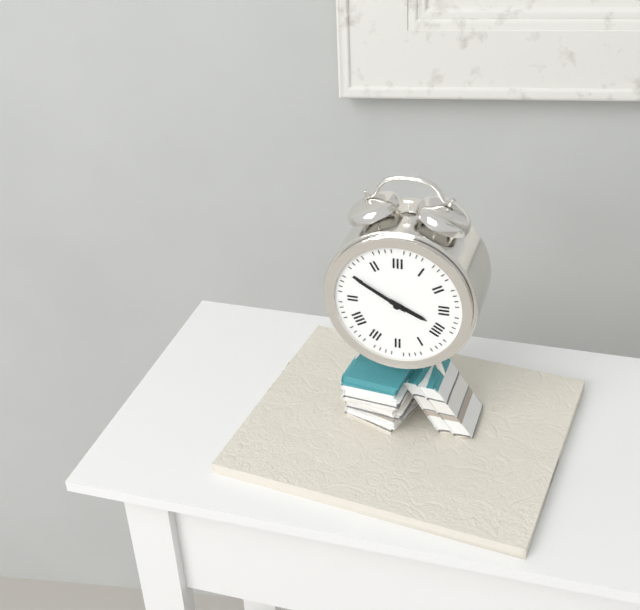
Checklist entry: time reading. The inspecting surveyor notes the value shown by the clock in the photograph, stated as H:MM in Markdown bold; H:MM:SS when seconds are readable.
**3:50**
